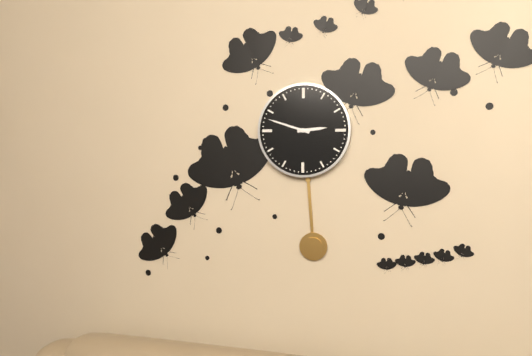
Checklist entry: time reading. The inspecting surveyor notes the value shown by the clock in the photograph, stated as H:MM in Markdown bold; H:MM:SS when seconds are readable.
**2:48**
